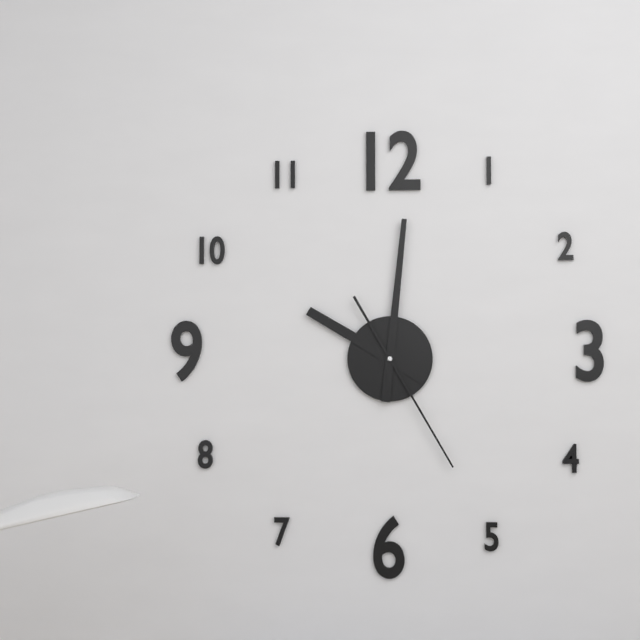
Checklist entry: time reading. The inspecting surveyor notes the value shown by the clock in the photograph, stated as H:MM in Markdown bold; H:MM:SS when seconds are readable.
**10:01:25**
